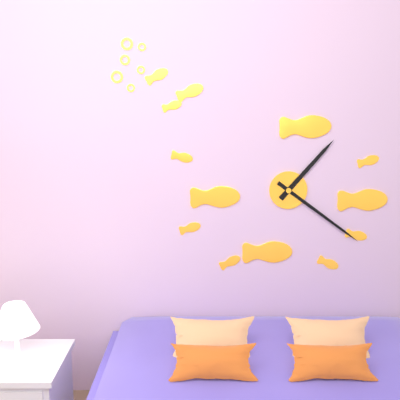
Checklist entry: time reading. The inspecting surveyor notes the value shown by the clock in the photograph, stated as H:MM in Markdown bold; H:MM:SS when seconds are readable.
**1:21**
